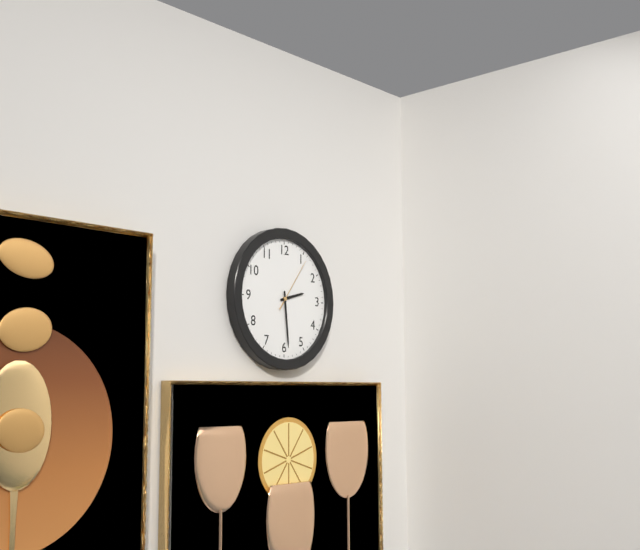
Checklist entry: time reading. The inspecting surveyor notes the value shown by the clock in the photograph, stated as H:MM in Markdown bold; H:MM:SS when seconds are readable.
**2:29:06**
